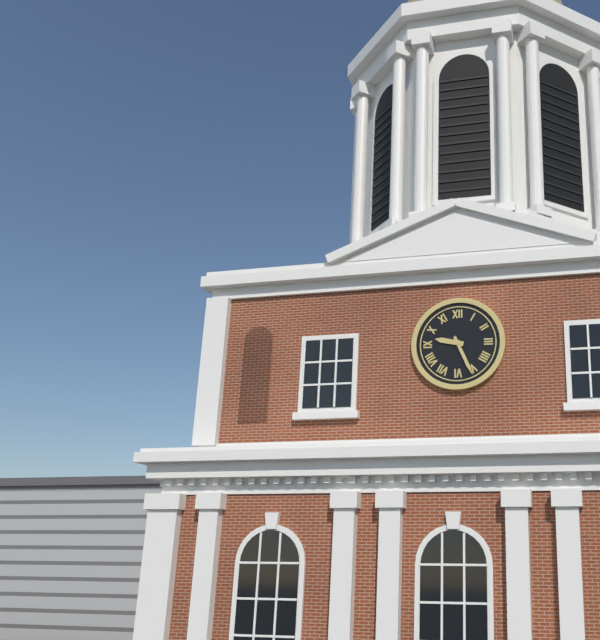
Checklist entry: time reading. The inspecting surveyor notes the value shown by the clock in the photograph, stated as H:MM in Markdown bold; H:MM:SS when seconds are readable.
**9:26**
